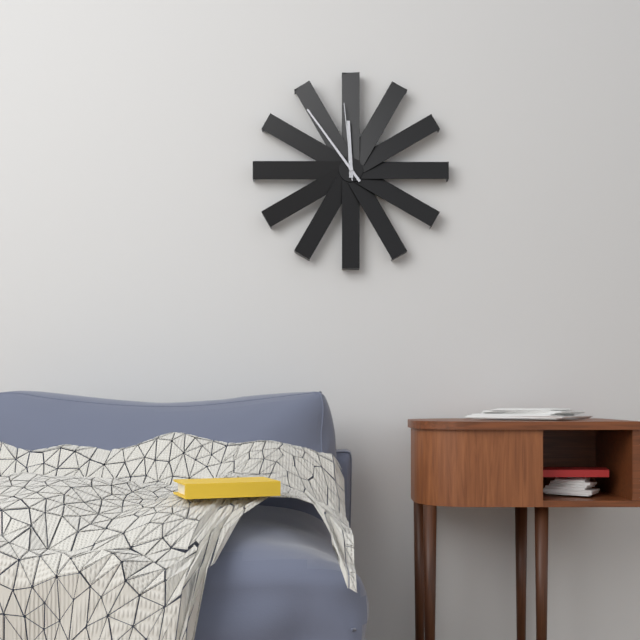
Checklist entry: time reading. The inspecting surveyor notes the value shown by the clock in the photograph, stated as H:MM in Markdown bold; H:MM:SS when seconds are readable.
**11:54:59**
